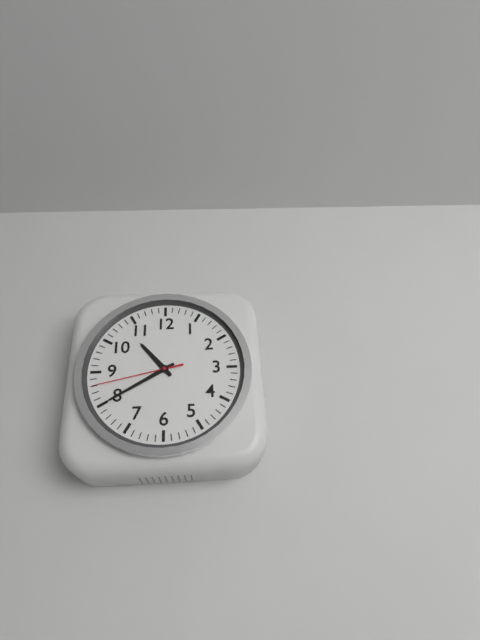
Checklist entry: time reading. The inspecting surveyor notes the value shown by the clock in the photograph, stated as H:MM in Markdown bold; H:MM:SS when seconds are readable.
**10:40:43**
